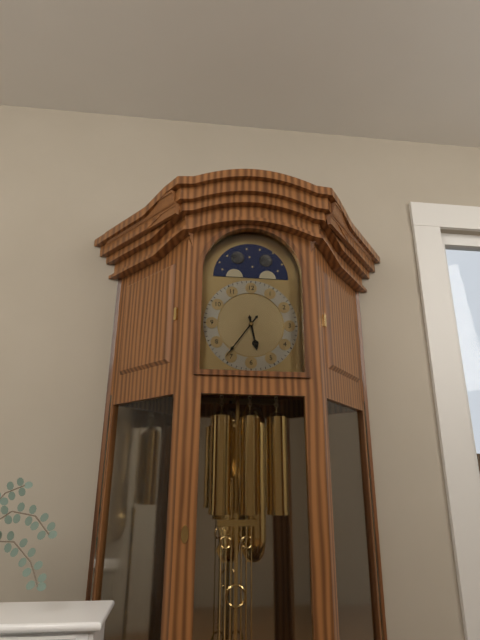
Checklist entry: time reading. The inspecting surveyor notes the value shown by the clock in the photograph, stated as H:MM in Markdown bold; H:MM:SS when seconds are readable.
**5:36**
